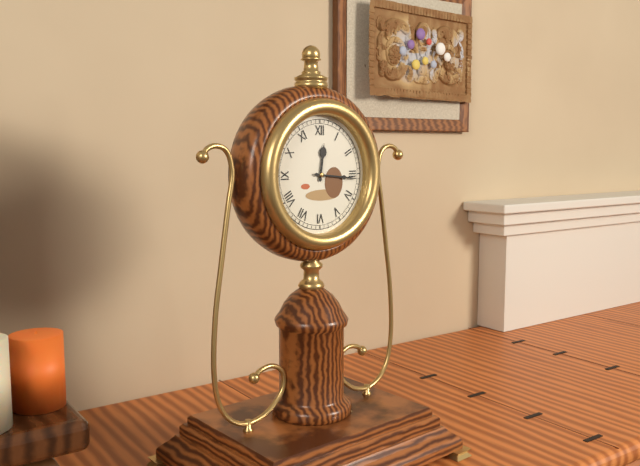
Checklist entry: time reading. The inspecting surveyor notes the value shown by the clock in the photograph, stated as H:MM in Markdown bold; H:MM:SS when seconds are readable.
**12:16**
